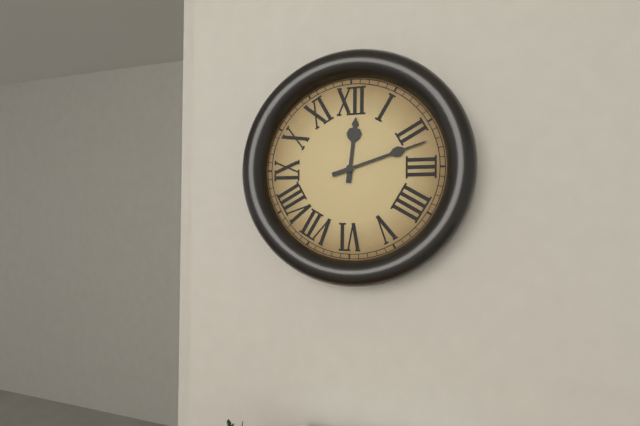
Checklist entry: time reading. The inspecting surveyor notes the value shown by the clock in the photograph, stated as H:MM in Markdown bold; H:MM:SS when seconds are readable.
**12:12**
